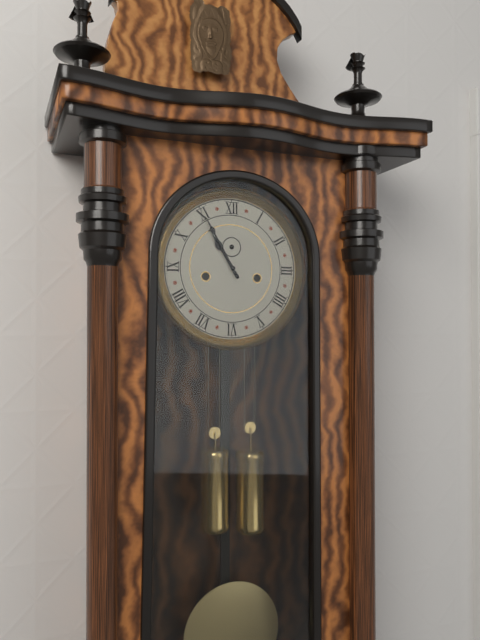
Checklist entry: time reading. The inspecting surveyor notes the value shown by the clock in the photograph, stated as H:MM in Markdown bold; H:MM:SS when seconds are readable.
**10:55**
